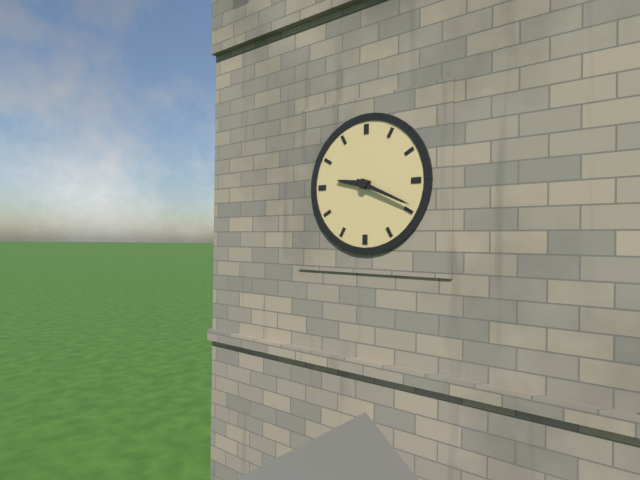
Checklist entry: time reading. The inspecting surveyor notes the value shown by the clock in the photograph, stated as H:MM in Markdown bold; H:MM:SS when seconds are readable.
**9:19**
